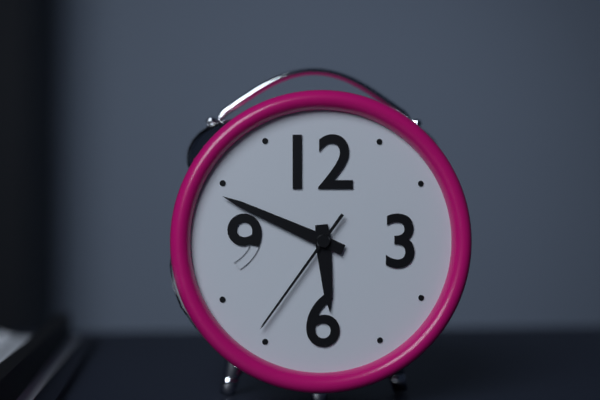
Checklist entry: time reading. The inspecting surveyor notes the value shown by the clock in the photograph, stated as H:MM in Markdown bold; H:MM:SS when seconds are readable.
**5:49:36**
